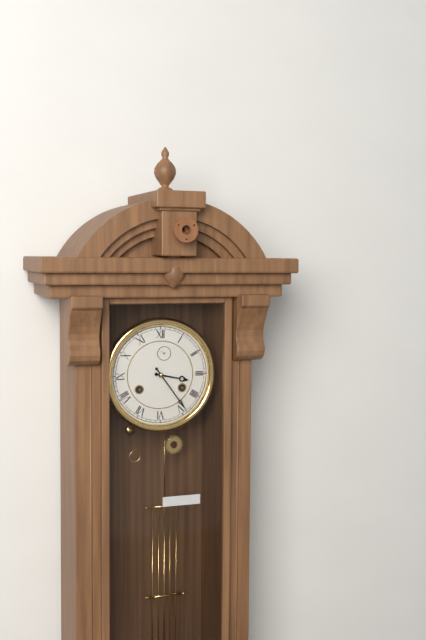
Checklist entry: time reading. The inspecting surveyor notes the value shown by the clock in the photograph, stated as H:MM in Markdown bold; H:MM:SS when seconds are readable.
**3:24**
